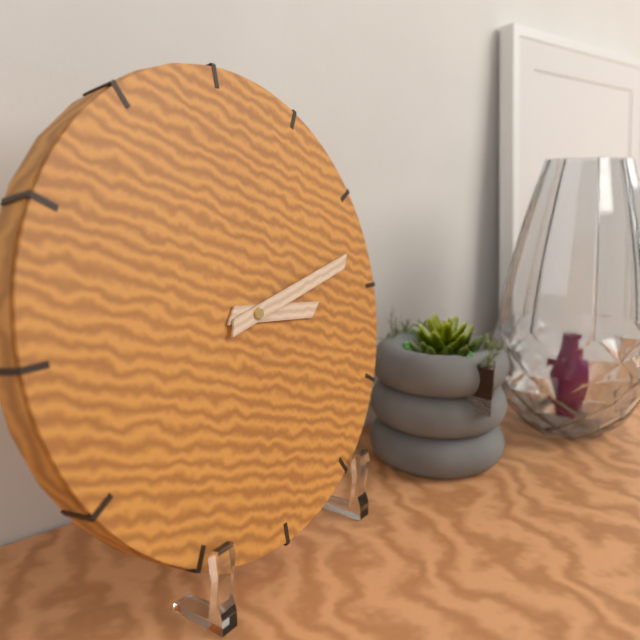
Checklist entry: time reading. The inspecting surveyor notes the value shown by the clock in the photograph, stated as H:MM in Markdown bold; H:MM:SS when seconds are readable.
**3:13**
